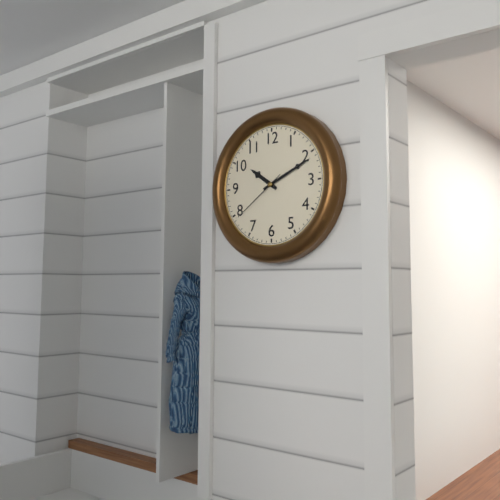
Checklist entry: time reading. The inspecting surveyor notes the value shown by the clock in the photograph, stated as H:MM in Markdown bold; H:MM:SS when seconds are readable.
**10:11:39**
